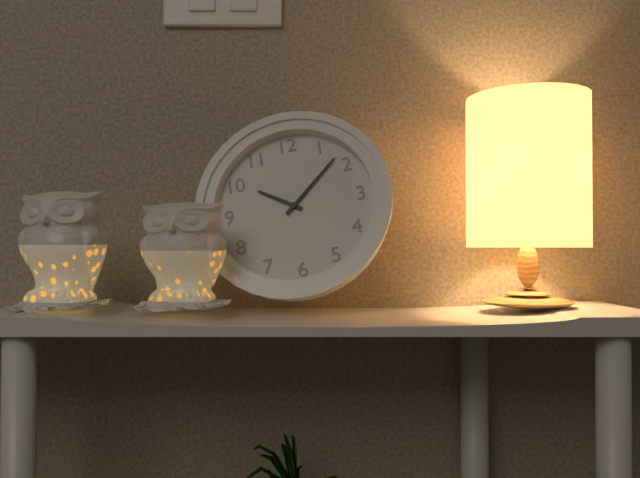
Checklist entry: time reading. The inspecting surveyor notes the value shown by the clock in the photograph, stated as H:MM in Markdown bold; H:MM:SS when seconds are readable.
**10:08**
